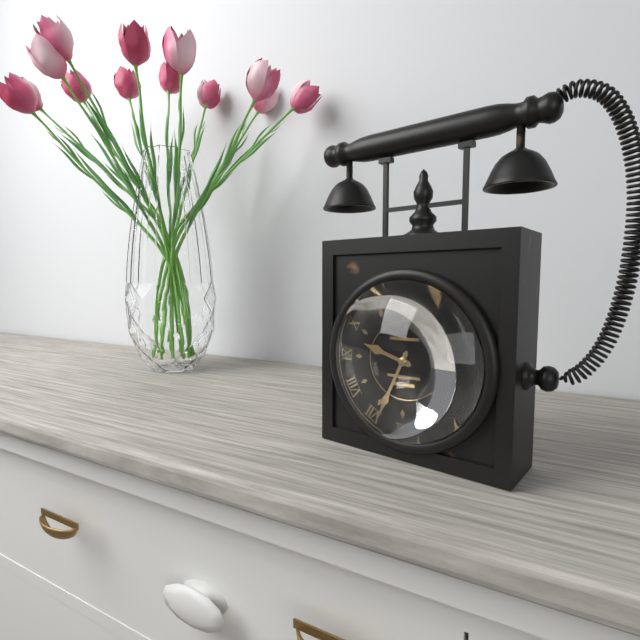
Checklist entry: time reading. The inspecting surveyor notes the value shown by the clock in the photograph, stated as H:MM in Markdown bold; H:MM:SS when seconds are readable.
**9:34**
